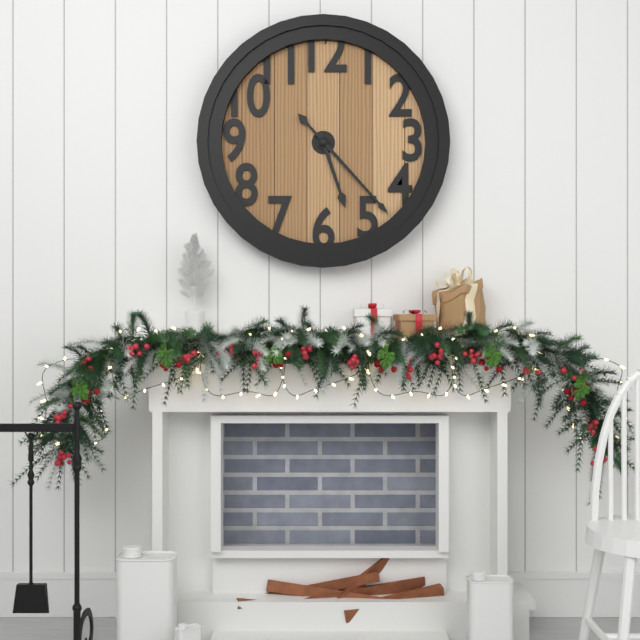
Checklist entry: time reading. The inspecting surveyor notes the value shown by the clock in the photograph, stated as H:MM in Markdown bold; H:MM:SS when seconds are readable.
**5:23**
